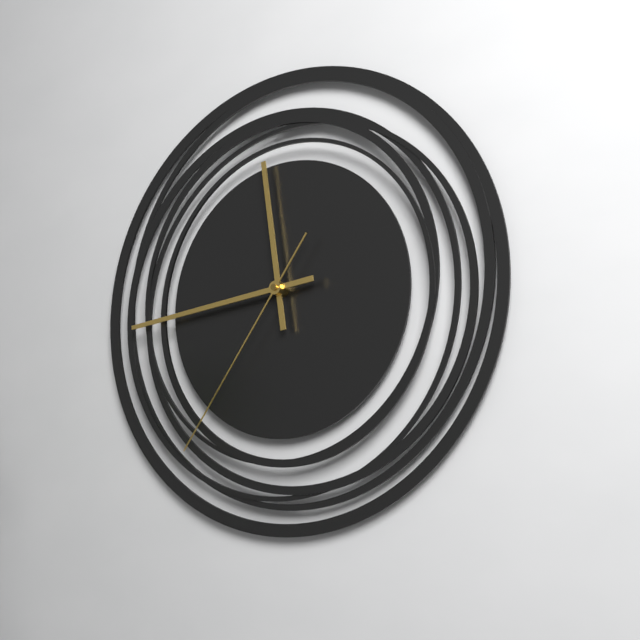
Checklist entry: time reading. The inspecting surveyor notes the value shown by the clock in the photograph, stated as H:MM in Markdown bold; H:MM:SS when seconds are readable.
**11:44:36**
